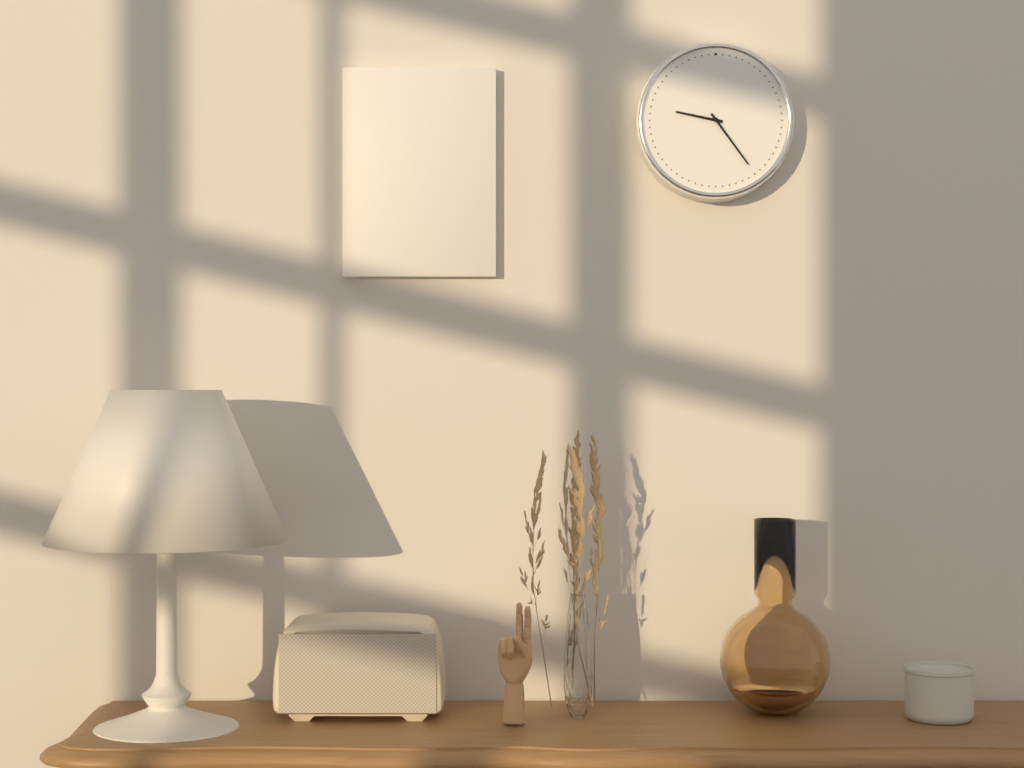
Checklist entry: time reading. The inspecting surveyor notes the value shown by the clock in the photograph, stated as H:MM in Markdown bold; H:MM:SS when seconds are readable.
**9:24**
